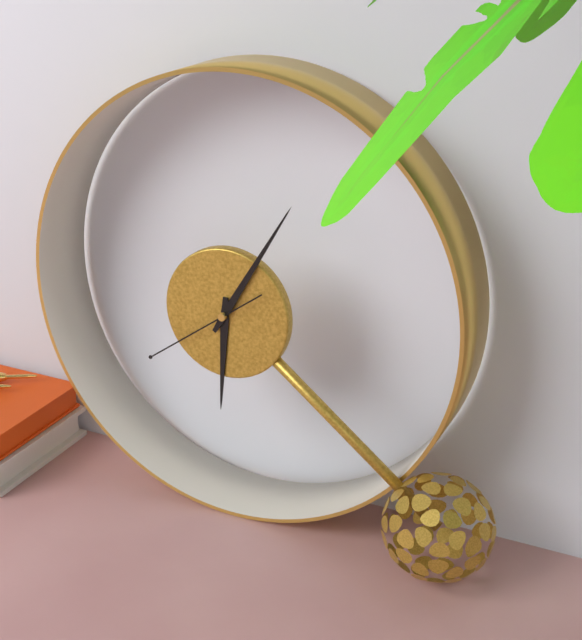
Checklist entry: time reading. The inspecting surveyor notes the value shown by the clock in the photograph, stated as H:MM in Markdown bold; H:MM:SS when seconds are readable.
**6:05:39**
